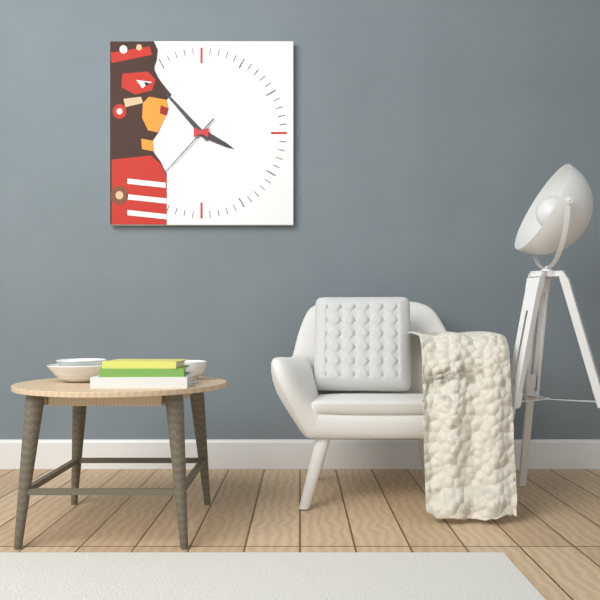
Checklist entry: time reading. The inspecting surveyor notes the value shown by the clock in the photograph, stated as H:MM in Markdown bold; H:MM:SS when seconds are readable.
**3:53:37**
